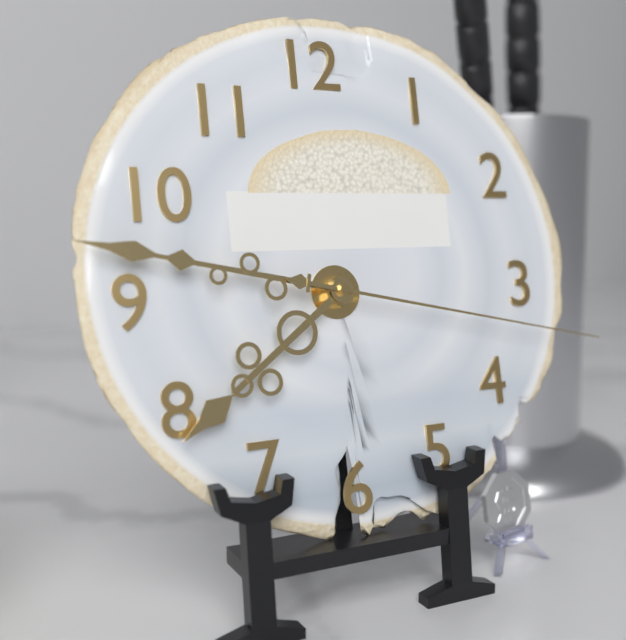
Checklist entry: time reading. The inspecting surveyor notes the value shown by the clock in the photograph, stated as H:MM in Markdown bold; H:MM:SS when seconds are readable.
**7:47:17**
